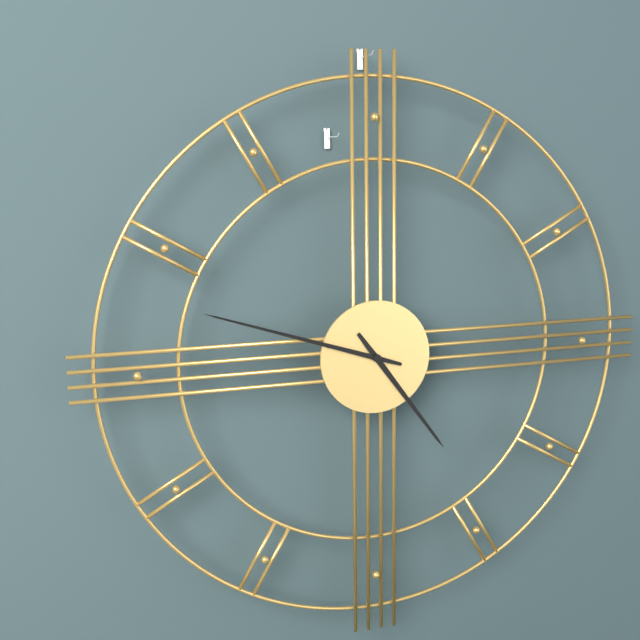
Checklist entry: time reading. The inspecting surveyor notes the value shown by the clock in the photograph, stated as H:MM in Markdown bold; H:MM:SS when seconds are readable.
**4:48**
